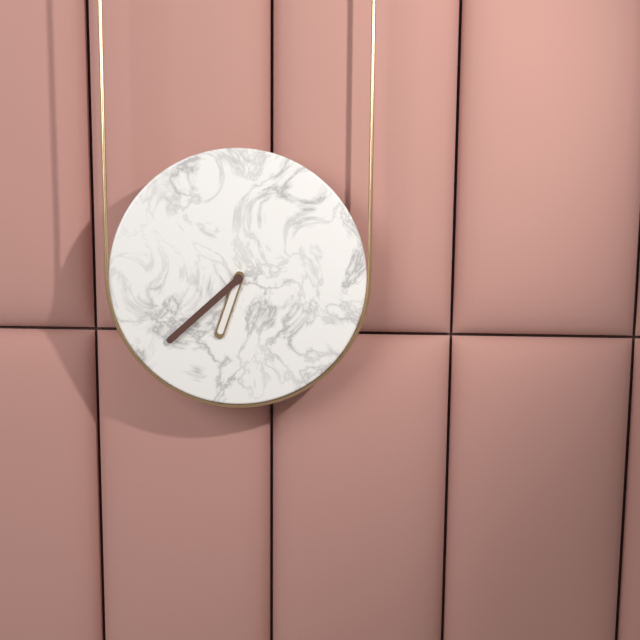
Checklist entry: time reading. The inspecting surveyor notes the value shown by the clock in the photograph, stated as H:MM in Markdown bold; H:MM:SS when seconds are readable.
**6:38**
